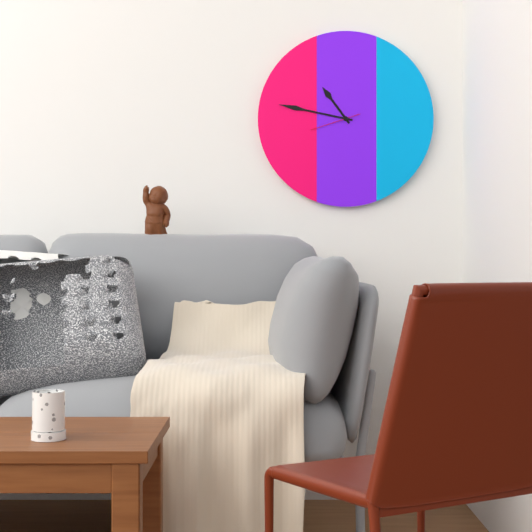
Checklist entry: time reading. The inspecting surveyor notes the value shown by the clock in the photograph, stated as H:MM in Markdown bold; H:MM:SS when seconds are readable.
**10:47**
